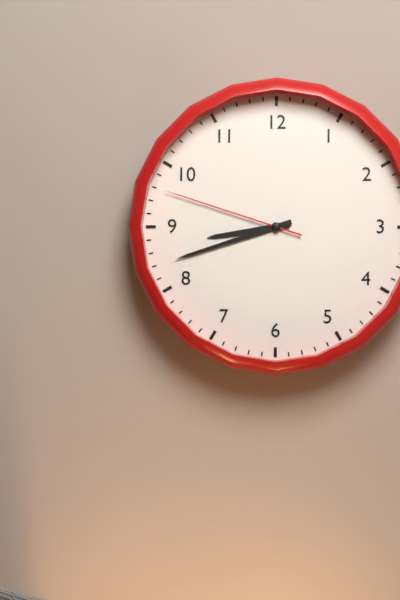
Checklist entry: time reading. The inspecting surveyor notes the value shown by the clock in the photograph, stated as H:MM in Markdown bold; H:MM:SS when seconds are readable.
**8:42:48**
